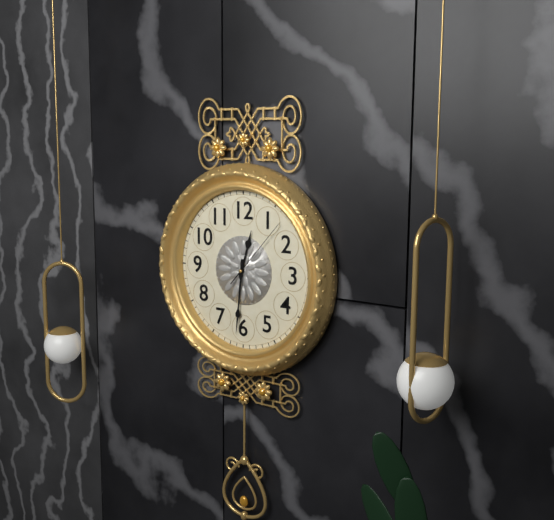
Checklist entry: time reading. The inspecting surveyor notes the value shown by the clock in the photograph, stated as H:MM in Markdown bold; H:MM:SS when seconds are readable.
**12:31:07**
